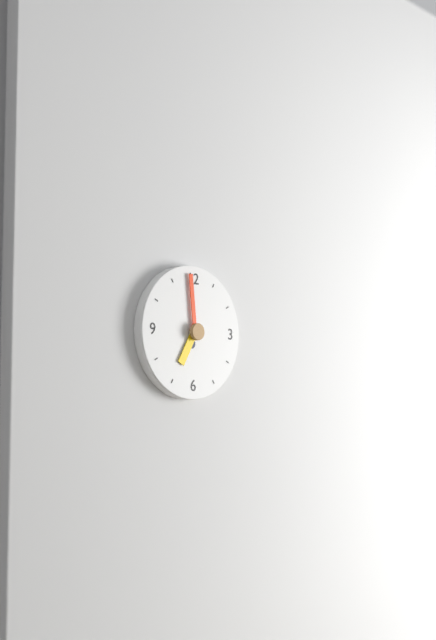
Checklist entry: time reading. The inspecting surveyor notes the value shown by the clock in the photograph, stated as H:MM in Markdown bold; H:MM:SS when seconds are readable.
**6:59**
